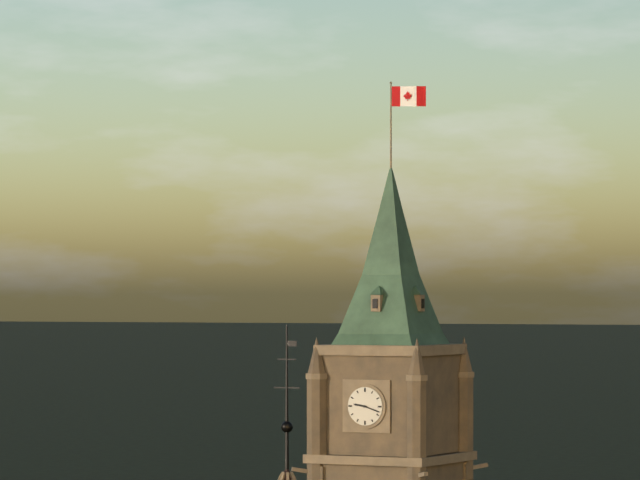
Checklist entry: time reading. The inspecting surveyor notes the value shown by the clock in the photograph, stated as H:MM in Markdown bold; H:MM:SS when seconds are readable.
**9:18**
